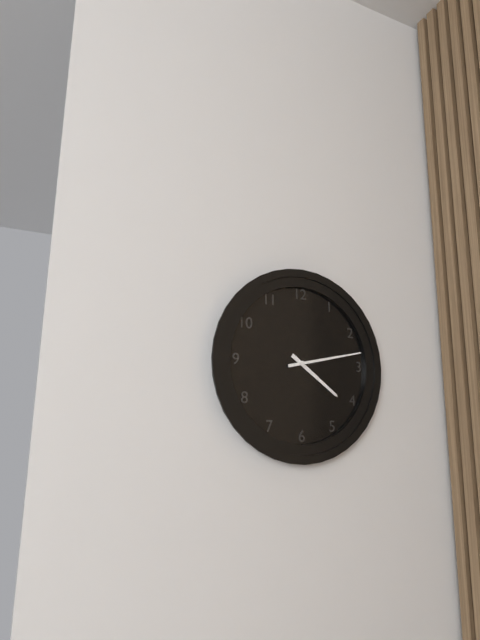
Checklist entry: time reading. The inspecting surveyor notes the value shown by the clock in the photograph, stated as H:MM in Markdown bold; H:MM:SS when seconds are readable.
**4:13**
